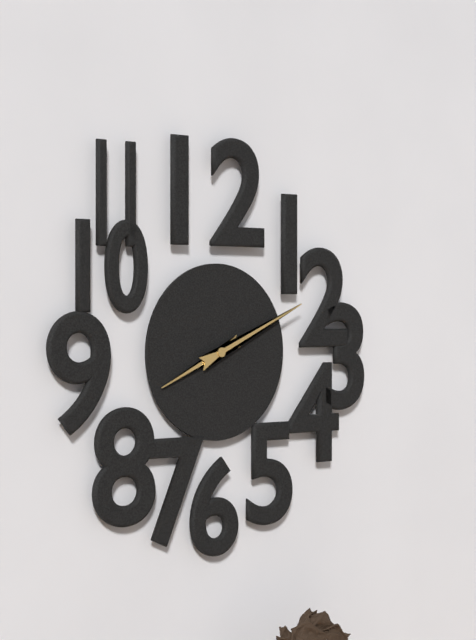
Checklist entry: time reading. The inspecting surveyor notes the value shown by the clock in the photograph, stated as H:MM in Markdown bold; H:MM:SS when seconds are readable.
**8:11**
